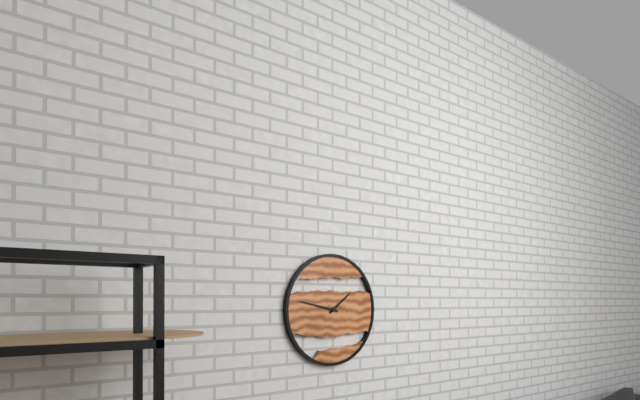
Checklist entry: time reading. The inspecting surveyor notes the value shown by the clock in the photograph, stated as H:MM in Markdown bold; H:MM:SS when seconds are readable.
**1:47**
